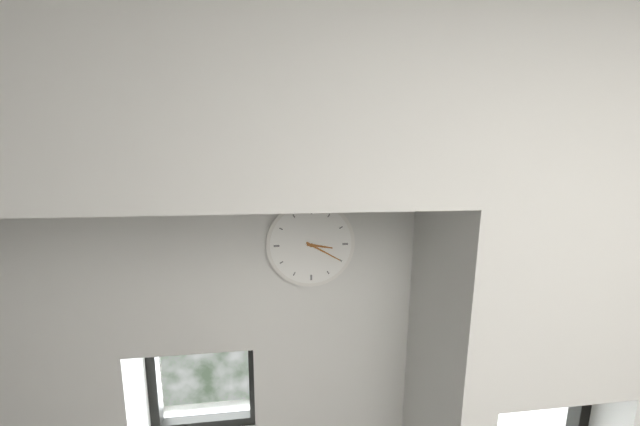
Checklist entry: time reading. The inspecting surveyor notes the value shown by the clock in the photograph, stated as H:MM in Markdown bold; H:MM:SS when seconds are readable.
**3:20**
